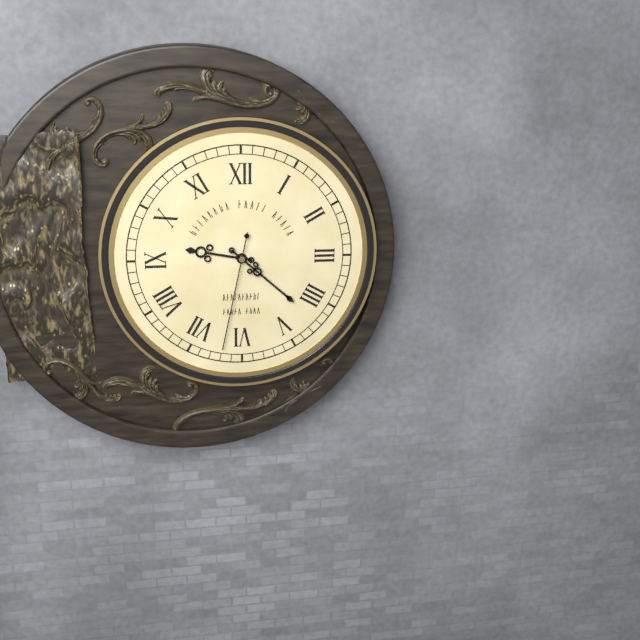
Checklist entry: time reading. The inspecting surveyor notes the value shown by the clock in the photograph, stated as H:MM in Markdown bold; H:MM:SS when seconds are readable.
**9:22:32**
